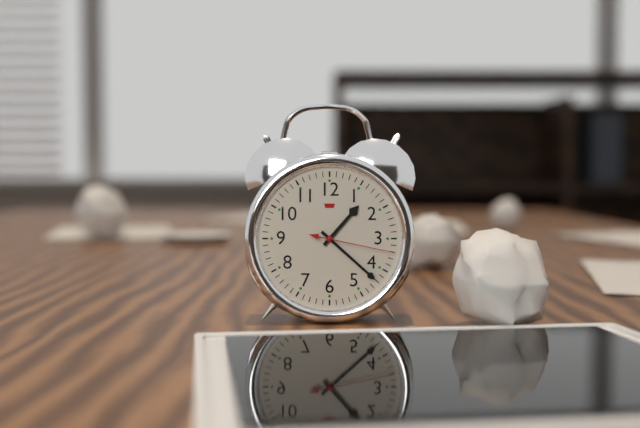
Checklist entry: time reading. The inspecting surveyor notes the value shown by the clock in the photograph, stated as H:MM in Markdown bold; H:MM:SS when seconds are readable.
**1:22:17**
